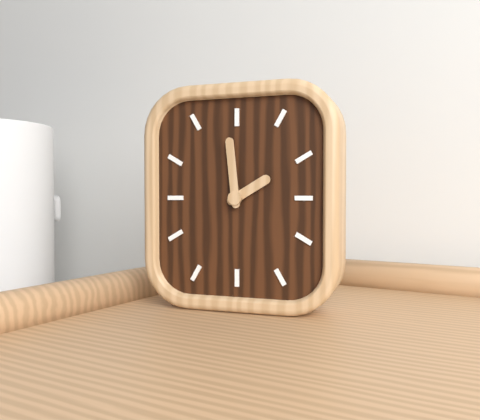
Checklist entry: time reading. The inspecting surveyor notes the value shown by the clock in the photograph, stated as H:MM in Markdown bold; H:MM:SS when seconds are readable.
**1:59**
